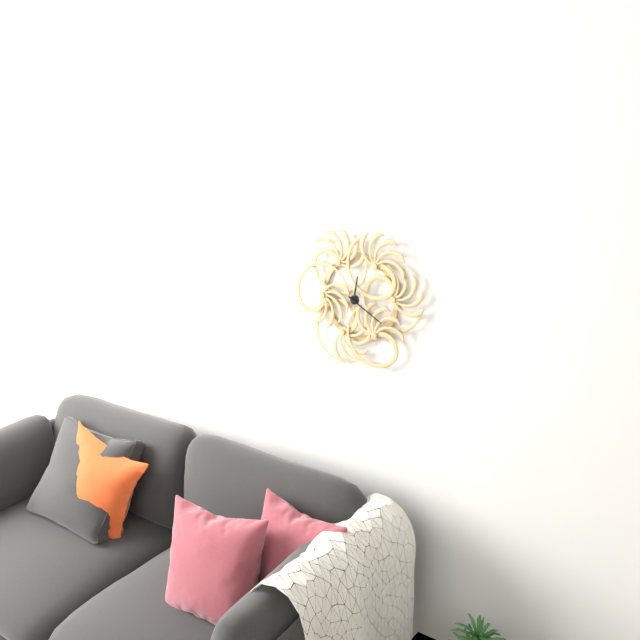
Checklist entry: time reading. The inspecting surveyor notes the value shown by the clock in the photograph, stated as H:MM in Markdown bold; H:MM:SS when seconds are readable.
**12:20**
